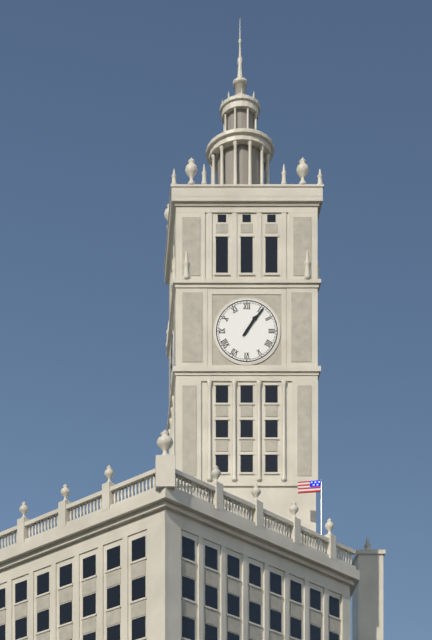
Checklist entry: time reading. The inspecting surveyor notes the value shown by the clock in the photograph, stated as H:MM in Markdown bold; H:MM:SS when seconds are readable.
**1:06**
